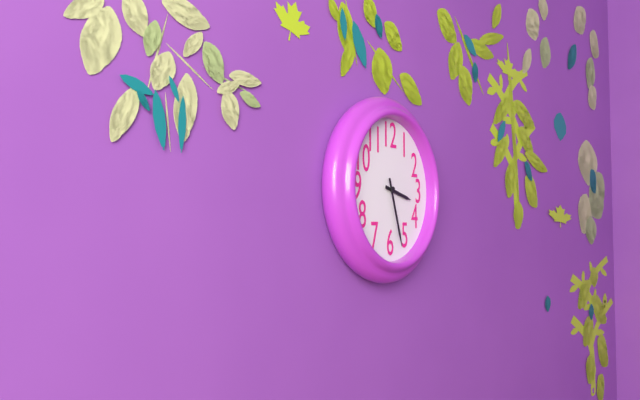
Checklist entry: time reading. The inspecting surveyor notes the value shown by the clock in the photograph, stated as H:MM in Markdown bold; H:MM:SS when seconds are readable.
**3:27**
